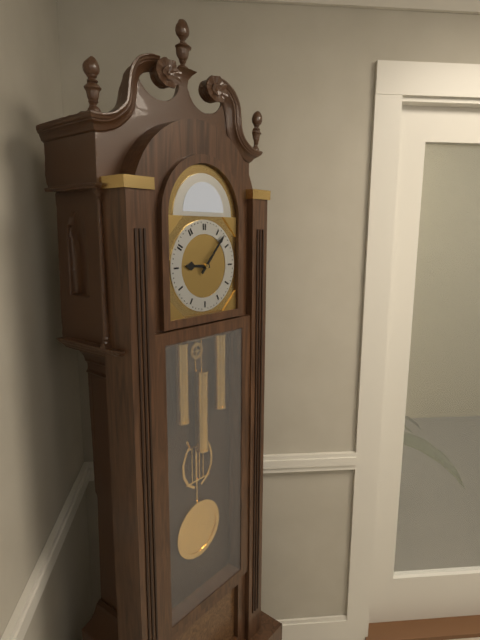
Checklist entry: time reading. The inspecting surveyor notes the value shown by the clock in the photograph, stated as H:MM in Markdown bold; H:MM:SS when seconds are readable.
**9:07**
